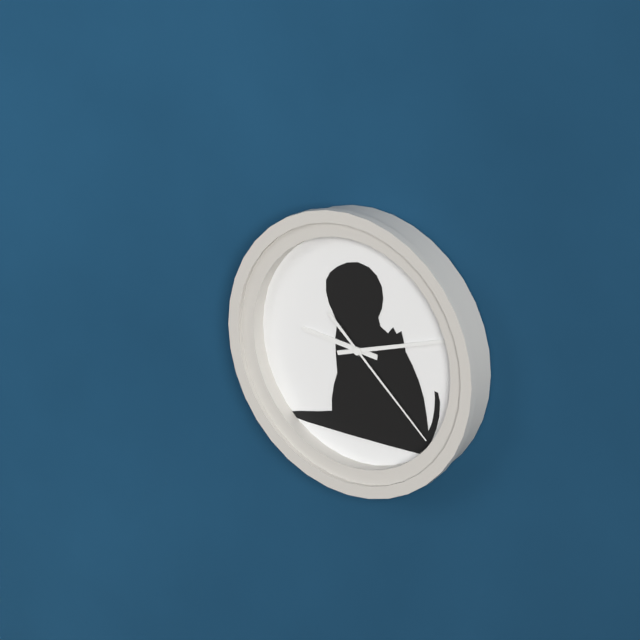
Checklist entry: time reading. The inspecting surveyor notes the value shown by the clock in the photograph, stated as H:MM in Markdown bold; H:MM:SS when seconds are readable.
**9:12:22**
